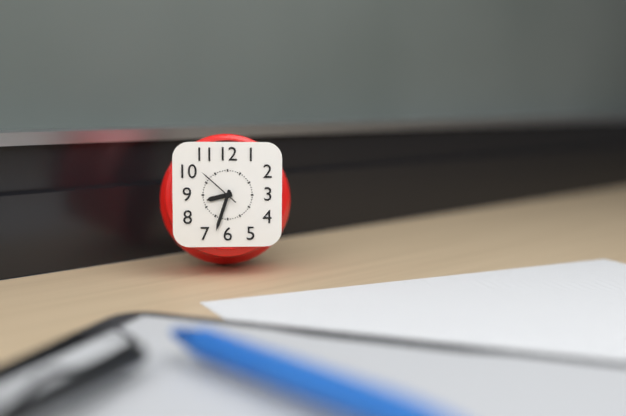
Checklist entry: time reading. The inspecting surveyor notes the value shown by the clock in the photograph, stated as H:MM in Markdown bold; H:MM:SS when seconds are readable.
**8:33**
